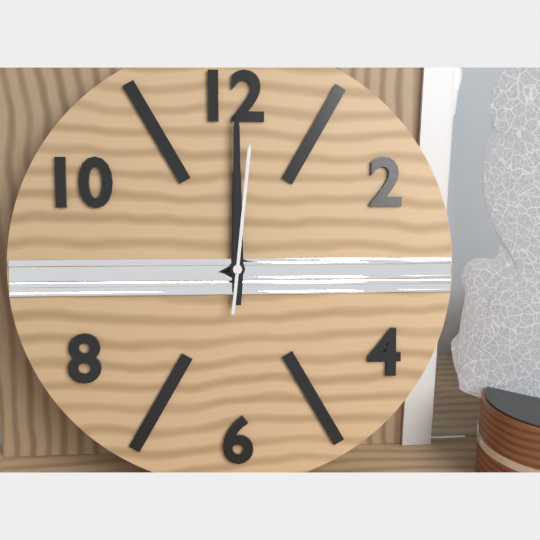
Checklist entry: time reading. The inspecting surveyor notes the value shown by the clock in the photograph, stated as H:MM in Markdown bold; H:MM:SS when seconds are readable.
**12:00:01**
